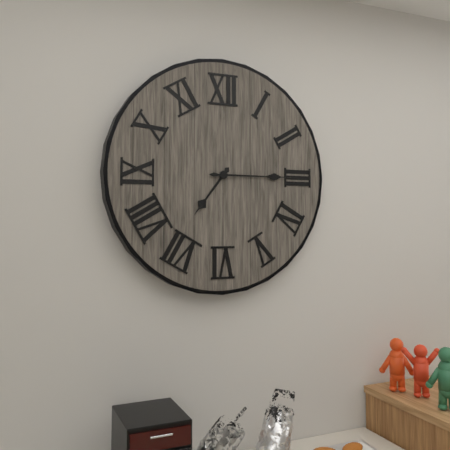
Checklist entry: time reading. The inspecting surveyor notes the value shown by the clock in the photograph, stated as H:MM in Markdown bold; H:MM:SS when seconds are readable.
**7:15**
